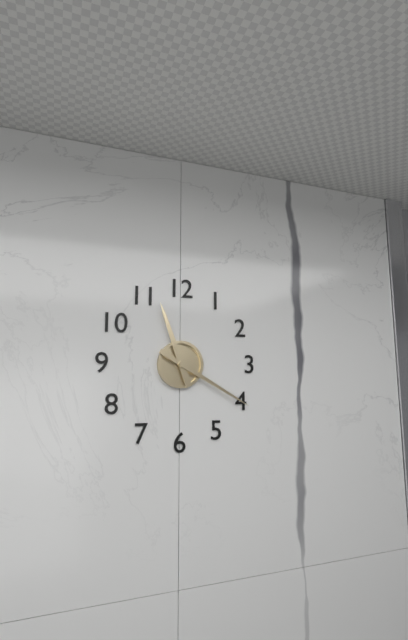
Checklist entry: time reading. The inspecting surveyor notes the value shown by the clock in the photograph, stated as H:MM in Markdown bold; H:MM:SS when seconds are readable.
**11:20**
